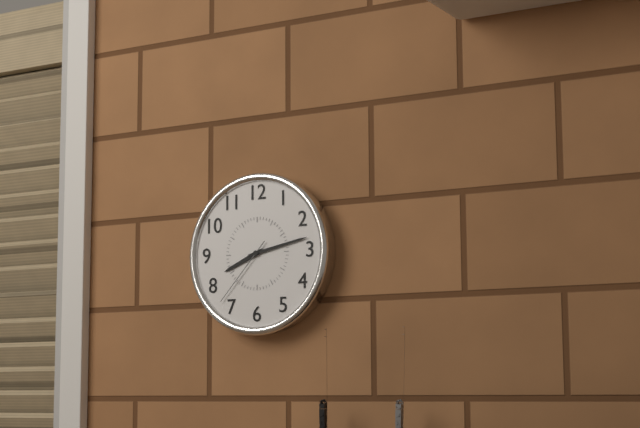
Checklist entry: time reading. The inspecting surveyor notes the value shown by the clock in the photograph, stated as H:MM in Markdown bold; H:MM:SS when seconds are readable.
**8:13:37**
